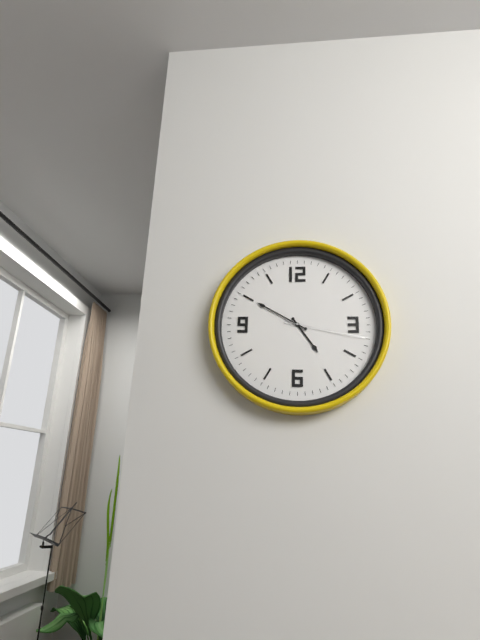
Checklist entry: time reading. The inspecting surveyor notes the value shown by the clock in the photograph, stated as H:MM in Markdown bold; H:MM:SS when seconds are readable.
**4:50:17**
